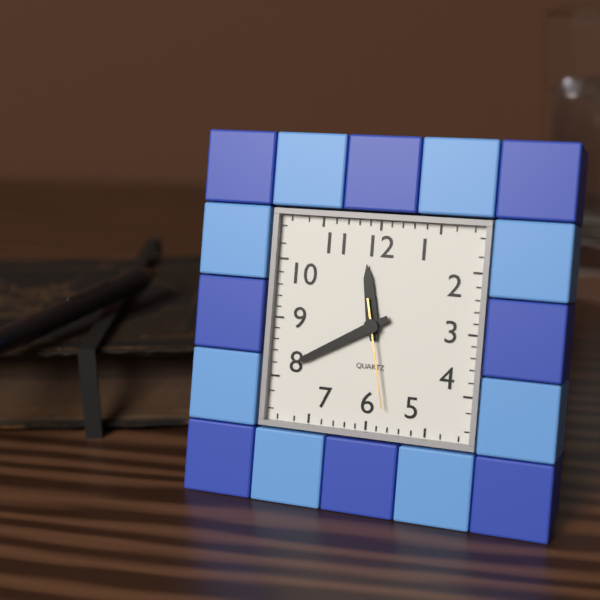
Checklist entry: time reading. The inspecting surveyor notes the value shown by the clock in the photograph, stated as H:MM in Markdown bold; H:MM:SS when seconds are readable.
**11:40:28**
